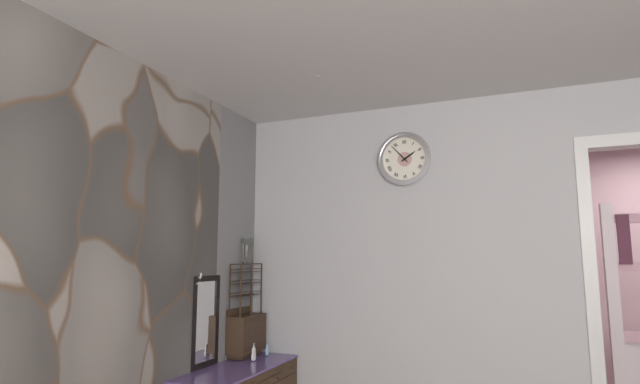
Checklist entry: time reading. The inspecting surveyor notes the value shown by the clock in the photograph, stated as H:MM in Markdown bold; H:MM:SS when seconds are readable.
**1:53**
